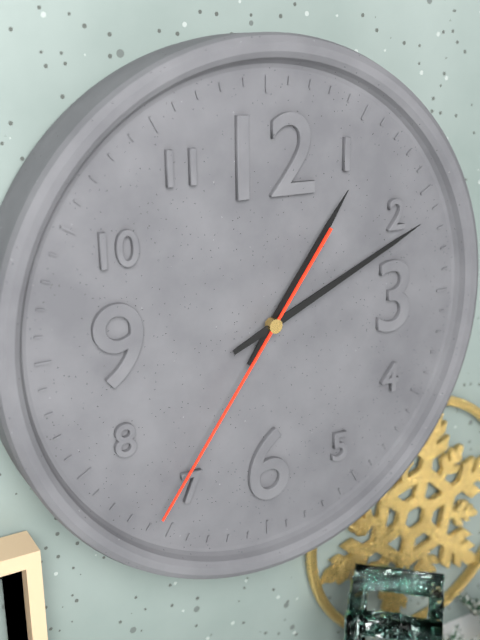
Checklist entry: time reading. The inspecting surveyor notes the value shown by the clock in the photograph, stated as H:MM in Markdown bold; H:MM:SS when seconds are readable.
**1:11:36**
